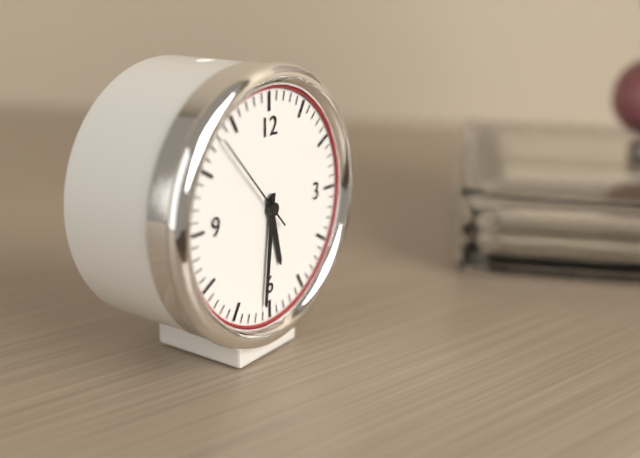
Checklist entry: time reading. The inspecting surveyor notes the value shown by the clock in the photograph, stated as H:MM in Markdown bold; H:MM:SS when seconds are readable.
**5:31:53**
